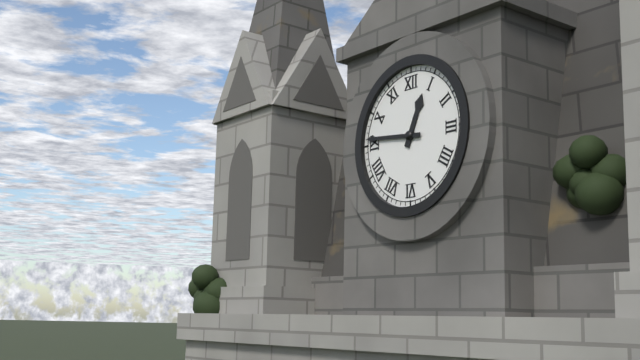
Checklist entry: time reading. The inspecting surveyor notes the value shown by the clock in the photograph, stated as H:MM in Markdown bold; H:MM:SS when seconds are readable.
**12:46**
